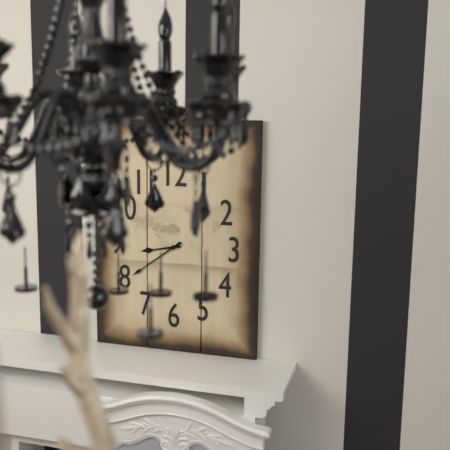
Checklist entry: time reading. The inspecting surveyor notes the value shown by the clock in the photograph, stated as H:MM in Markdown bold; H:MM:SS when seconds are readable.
**8:39**
